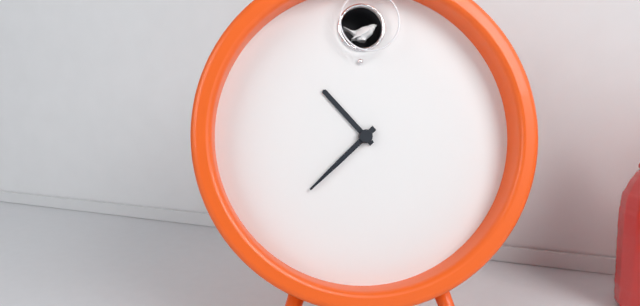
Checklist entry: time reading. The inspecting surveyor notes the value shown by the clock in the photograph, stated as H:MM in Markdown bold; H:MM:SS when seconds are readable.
**10:38**
